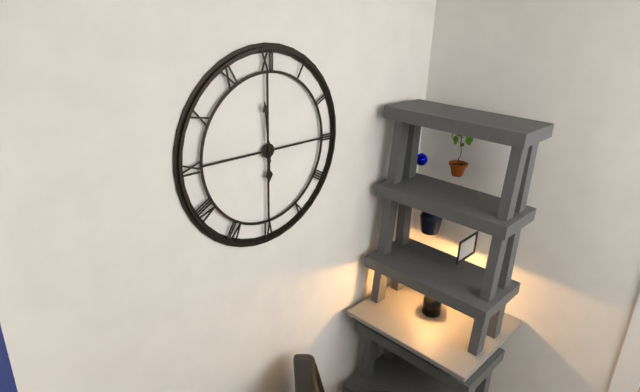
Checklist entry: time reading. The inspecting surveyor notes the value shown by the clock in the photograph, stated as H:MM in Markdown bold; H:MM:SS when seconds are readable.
**5:59**
